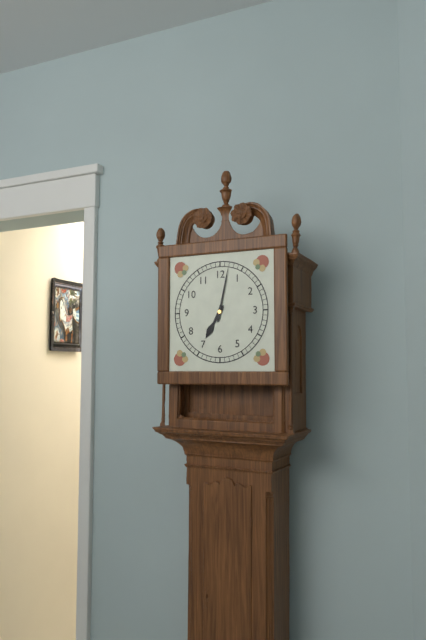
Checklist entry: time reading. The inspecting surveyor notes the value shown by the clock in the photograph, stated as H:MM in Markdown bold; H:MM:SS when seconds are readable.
**7:02**
